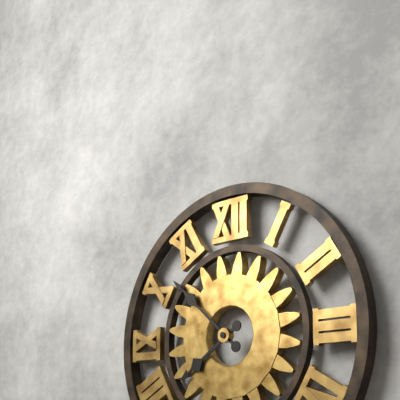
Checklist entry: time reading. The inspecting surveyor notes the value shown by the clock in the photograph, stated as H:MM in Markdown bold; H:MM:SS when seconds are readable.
**7:52**
